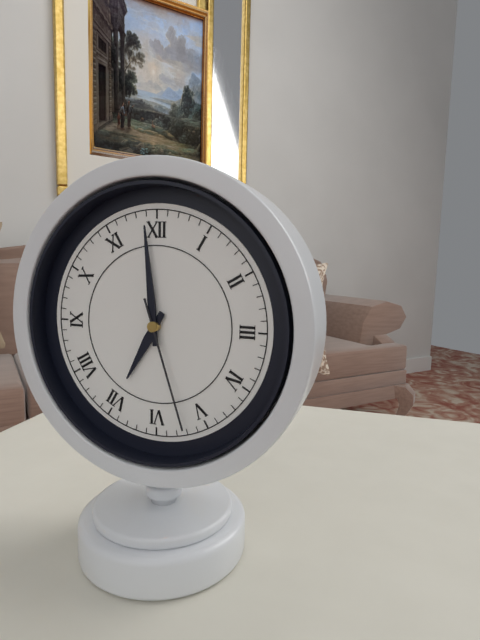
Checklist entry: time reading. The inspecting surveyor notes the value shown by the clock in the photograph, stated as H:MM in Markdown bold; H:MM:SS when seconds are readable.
**6:59:27**
